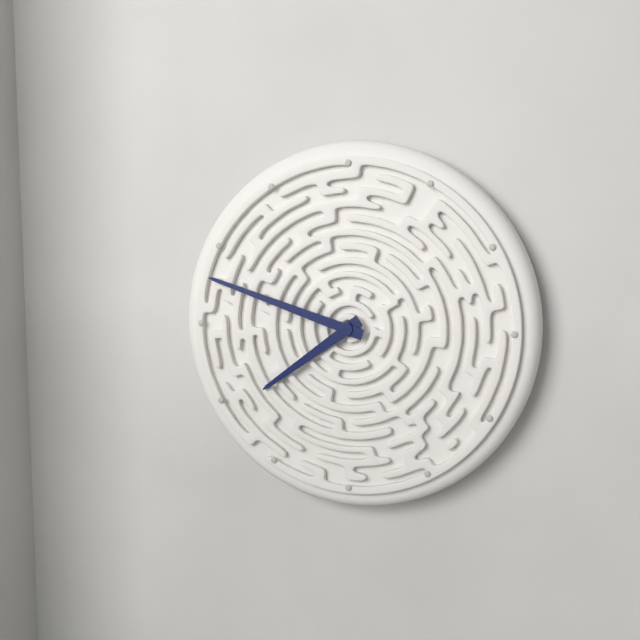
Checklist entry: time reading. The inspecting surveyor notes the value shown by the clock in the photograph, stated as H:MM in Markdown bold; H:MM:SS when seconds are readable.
**7:48**
